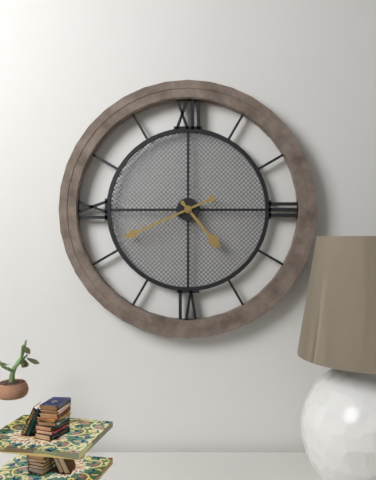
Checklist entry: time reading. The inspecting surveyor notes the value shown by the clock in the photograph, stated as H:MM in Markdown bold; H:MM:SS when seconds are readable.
**4:41**
